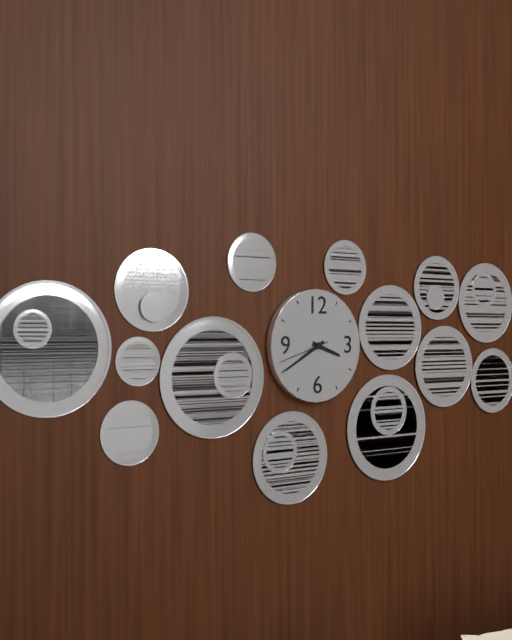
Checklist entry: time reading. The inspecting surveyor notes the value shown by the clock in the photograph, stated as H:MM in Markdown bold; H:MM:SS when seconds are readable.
**3:40:42**
